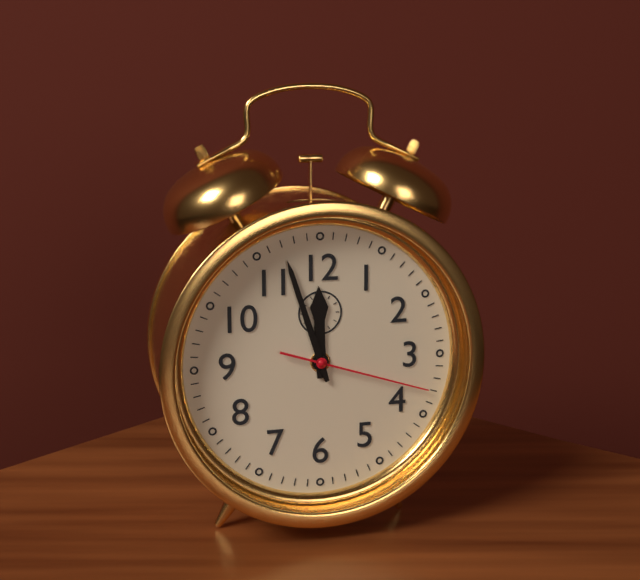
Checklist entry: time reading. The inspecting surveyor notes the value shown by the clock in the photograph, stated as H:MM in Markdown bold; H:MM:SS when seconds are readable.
**11:57:18**
